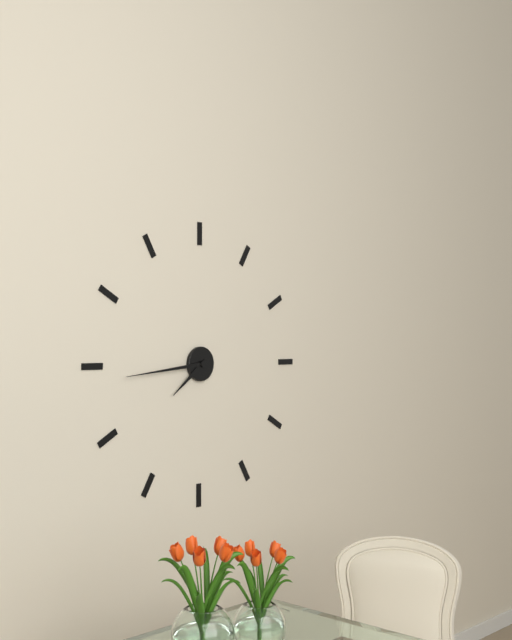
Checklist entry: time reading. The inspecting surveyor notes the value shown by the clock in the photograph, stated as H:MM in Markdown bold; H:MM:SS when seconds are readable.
**7:44**
